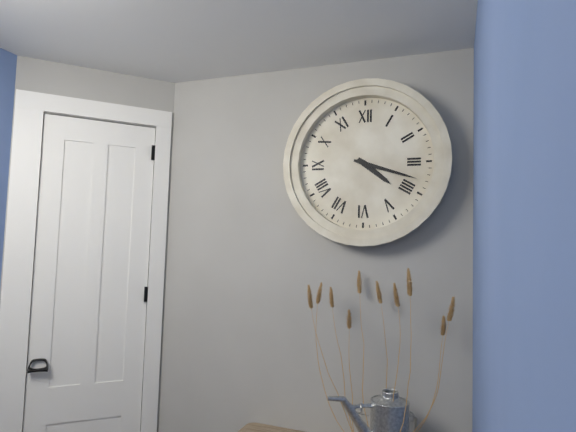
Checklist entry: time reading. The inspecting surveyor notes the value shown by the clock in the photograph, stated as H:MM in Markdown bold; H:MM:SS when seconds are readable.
**4:18**
